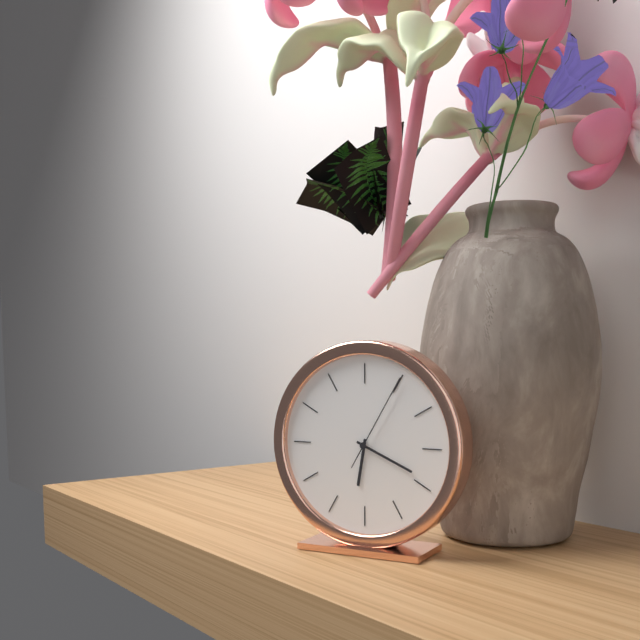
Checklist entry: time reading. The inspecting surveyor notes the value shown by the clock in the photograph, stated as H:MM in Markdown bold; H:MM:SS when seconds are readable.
**6:19:05**
